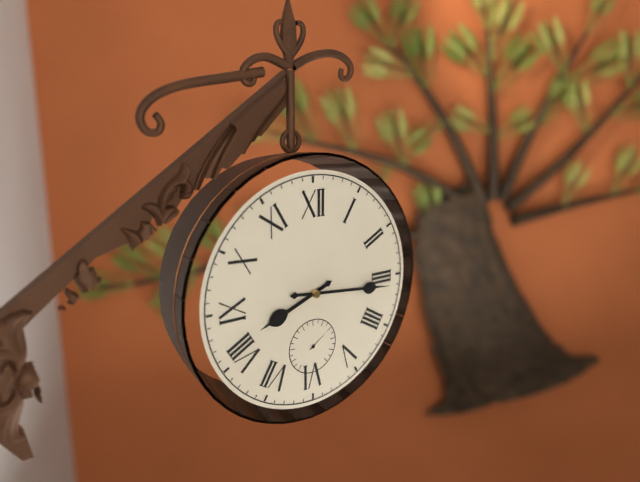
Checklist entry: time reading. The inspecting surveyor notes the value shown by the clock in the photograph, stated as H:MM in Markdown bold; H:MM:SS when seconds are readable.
**8:16**
